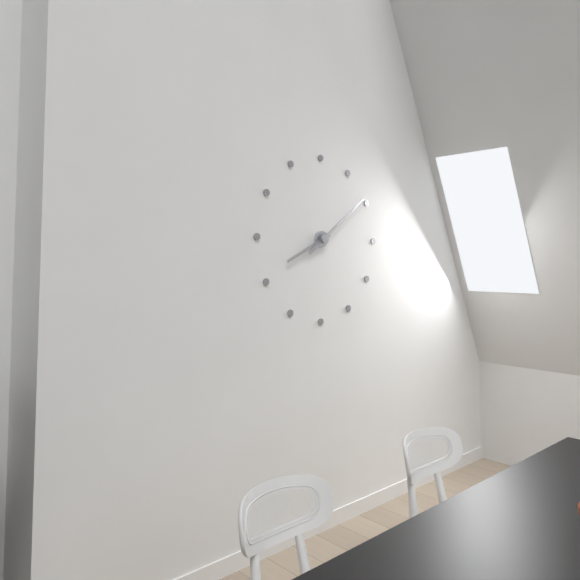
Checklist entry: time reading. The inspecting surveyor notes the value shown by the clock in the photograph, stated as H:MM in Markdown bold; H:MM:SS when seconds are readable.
**8:09**
